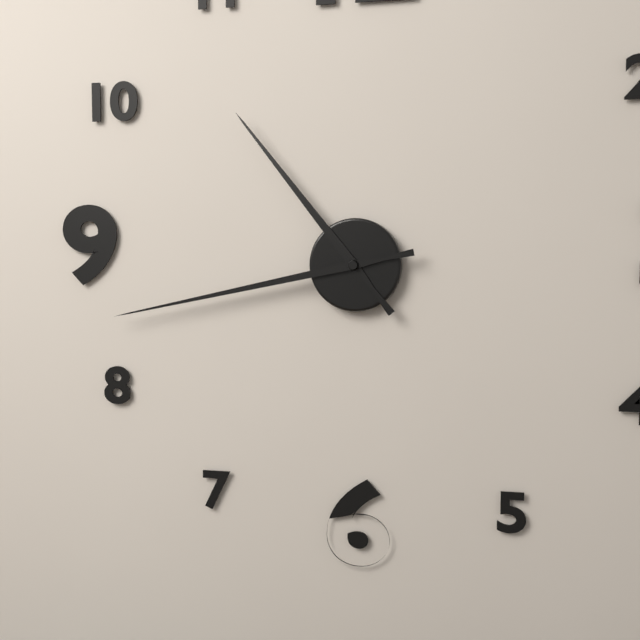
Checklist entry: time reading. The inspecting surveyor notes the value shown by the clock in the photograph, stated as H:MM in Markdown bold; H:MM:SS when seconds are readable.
**10:43**
